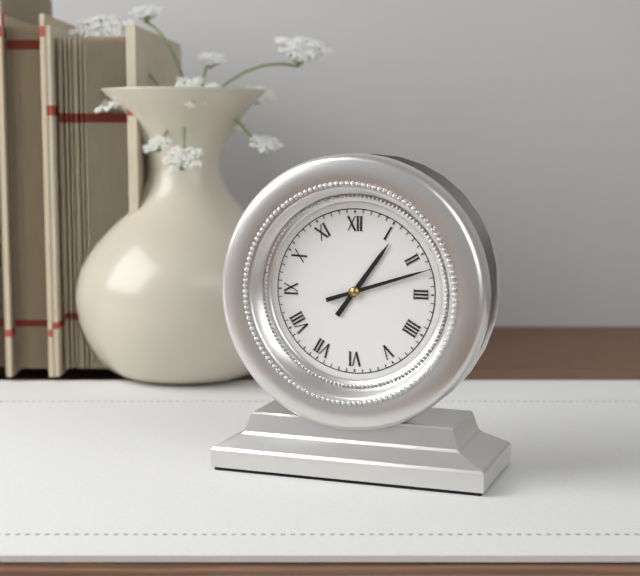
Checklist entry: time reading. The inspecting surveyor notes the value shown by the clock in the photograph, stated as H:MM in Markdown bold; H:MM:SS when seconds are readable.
**1:12**
